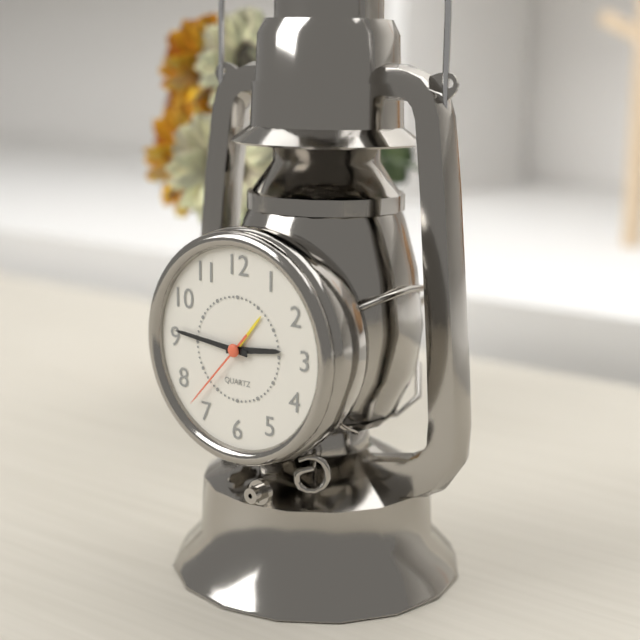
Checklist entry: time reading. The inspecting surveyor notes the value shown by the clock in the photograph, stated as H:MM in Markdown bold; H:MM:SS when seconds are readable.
**2:46:37**
